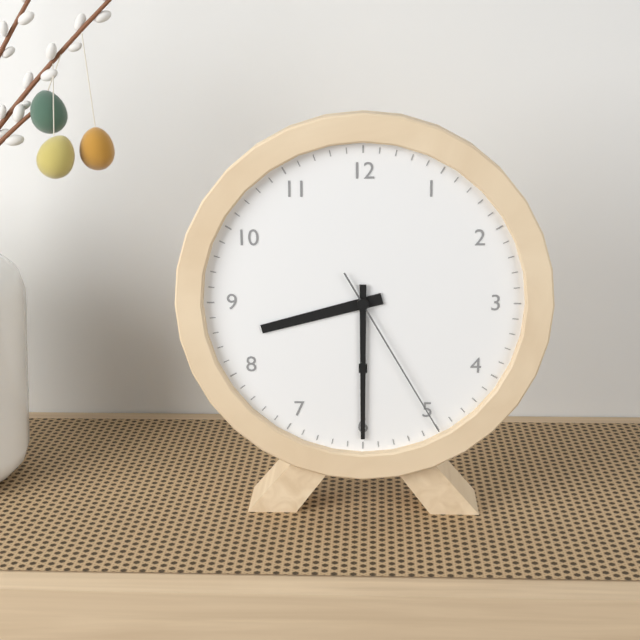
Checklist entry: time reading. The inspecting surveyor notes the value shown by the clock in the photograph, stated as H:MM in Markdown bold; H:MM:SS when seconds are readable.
**8:30:25**
